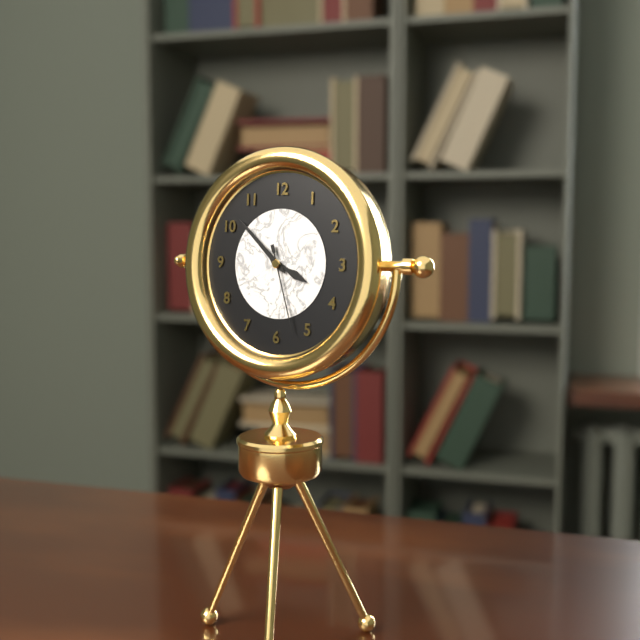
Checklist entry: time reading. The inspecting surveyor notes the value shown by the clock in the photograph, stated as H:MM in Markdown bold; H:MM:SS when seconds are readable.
**3:52:27**
